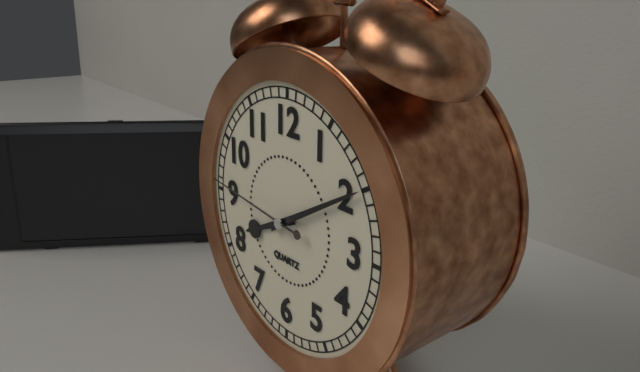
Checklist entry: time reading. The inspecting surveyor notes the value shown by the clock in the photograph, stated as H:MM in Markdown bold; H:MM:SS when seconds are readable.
**8:10:46**
